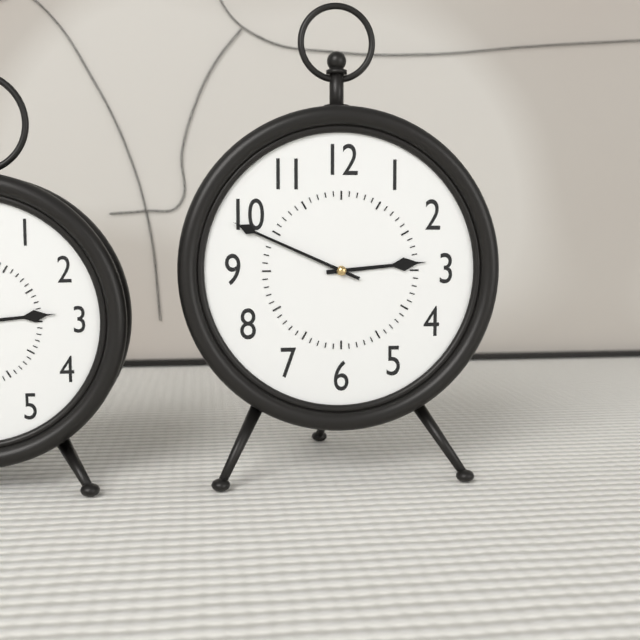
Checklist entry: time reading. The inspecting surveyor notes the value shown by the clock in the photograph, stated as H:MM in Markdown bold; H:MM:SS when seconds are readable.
**2:49**
